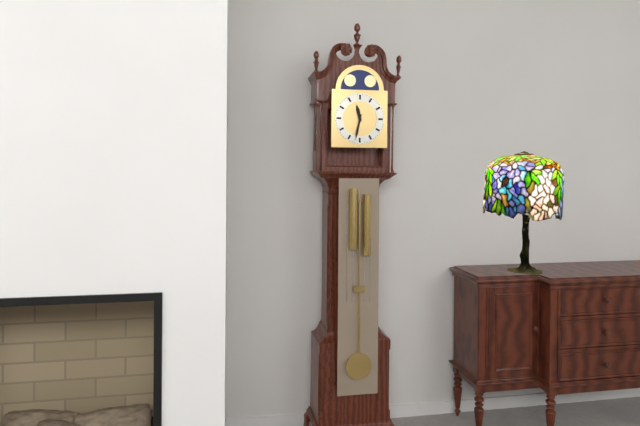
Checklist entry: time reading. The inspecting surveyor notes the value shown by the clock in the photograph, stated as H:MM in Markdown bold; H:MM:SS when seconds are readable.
**11:32**
